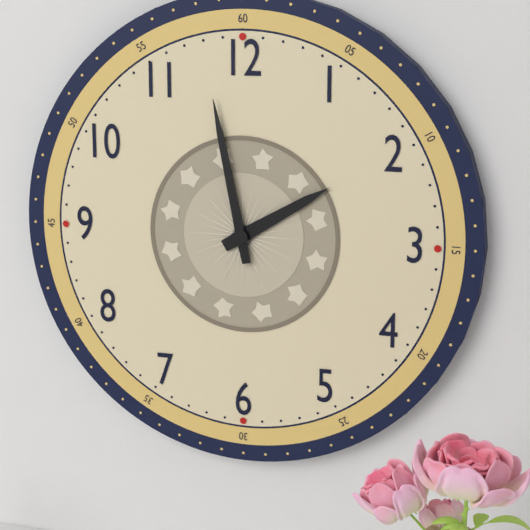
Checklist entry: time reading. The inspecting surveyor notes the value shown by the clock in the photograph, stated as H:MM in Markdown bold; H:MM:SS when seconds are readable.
**1:58**
